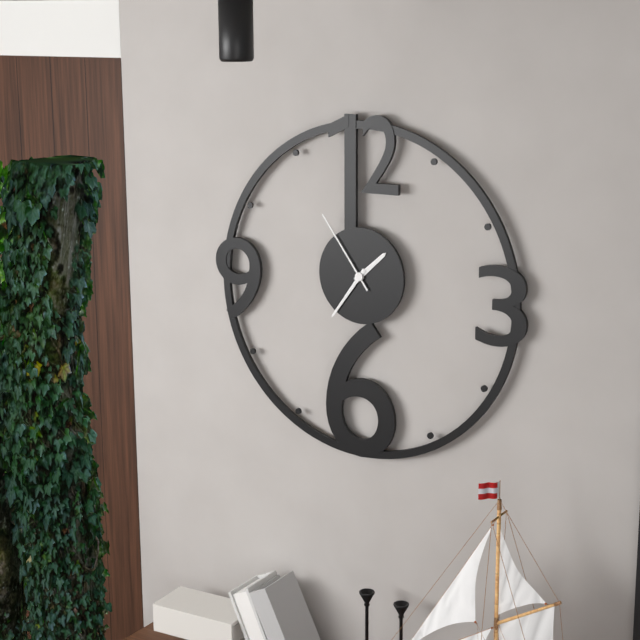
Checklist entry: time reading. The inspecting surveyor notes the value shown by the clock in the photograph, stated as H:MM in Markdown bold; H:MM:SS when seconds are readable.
**1:36:54**
